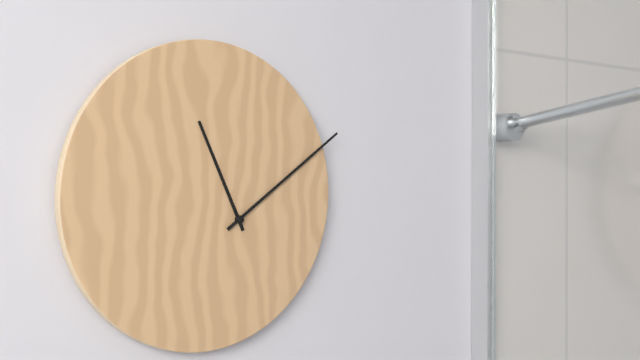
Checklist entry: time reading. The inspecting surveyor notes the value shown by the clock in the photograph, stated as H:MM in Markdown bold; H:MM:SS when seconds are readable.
**11:09**
